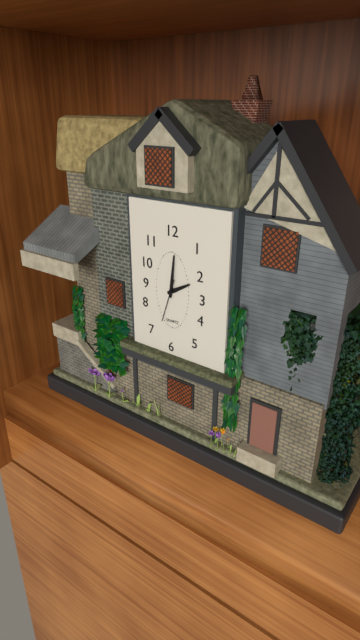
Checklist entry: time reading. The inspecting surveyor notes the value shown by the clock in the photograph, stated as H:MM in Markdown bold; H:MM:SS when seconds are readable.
**2:01**
